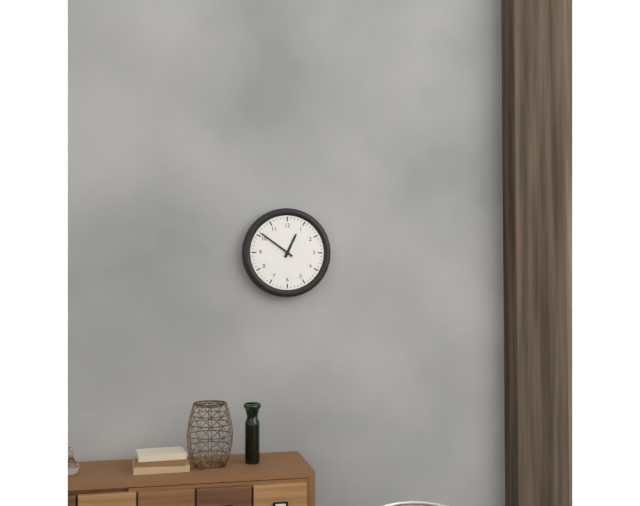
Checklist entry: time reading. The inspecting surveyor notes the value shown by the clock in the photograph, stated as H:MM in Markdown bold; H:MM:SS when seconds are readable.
**12:51**
